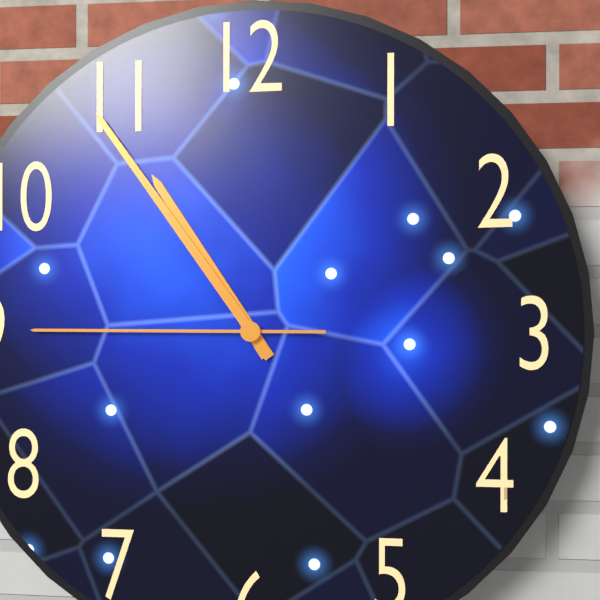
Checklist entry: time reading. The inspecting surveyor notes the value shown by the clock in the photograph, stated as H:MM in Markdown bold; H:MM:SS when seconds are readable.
**10:54:45**
